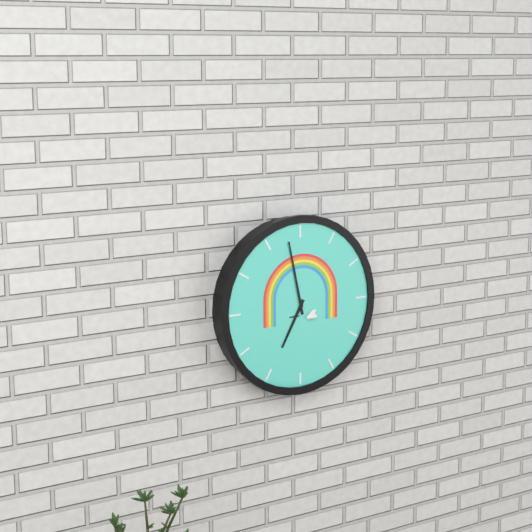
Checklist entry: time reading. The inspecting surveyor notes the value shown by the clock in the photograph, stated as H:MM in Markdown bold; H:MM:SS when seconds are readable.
**6:58**
